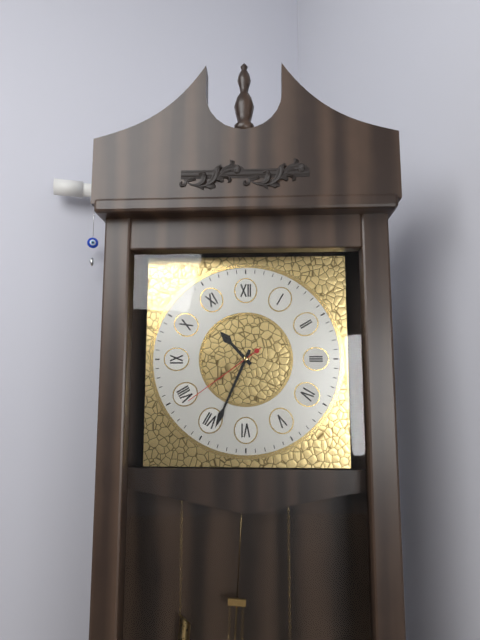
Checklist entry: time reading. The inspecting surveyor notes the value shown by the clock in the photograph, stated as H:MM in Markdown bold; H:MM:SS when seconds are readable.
**10:34:39**
